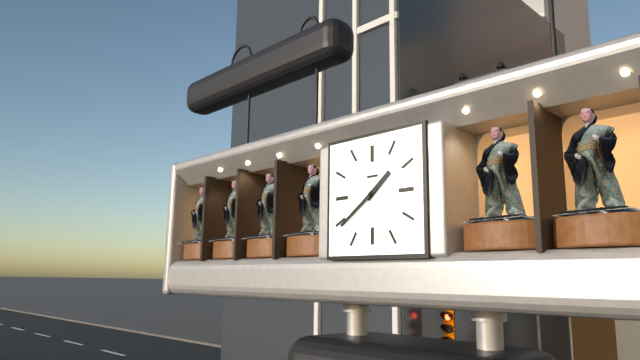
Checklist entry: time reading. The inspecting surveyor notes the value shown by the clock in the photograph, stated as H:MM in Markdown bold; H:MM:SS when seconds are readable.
**1:39**
